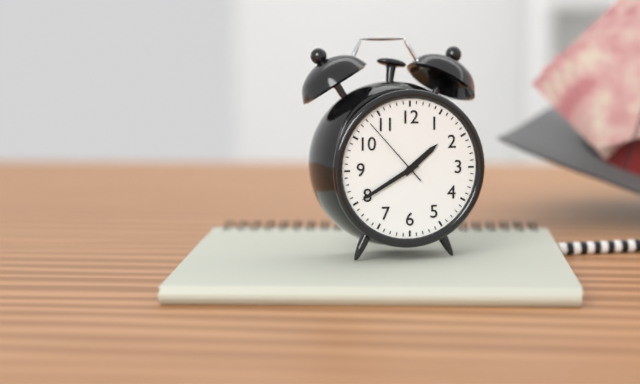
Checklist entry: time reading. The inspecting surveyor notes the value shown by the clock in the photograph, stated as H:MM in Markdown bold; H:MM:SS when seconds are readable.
**1:40:53**
